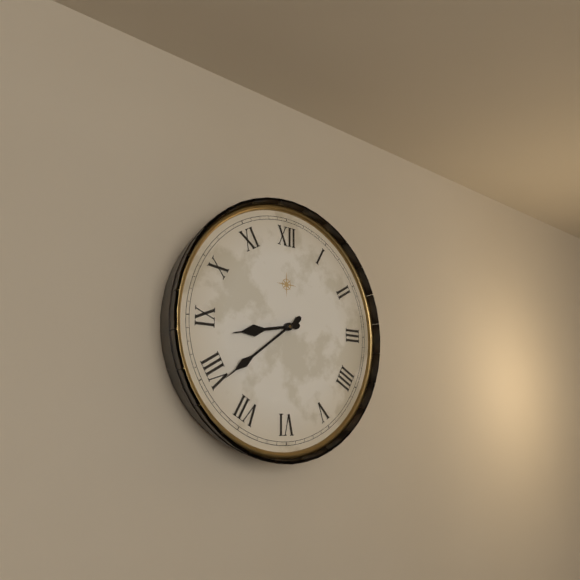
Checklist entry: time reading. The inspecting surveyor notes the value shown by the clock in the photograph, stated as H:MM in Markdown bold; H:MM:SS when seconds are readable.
**8:39**
